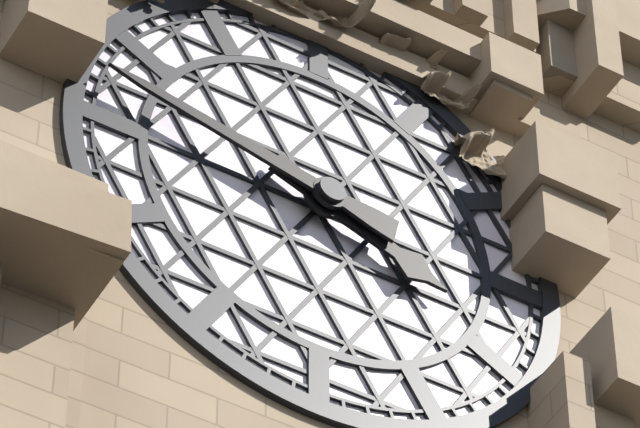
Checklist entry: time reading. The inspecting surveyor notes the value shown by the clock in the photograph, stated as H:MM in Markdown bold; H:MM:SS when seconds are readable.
**3:47**
